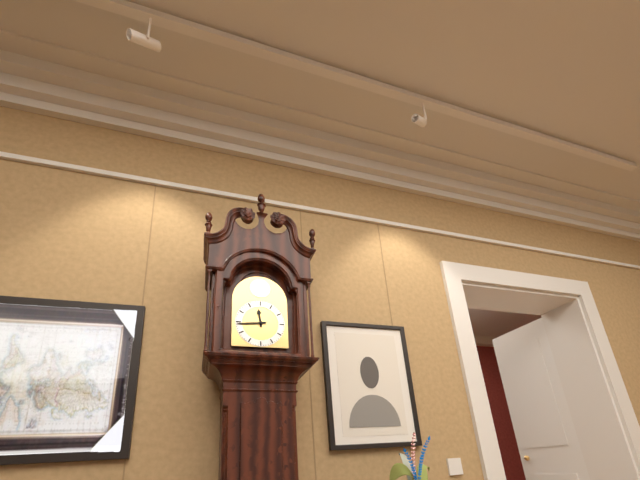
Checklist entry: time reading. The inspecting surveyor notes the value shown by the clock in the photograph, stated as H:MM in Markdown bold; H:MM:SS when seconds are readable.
**11:44**
